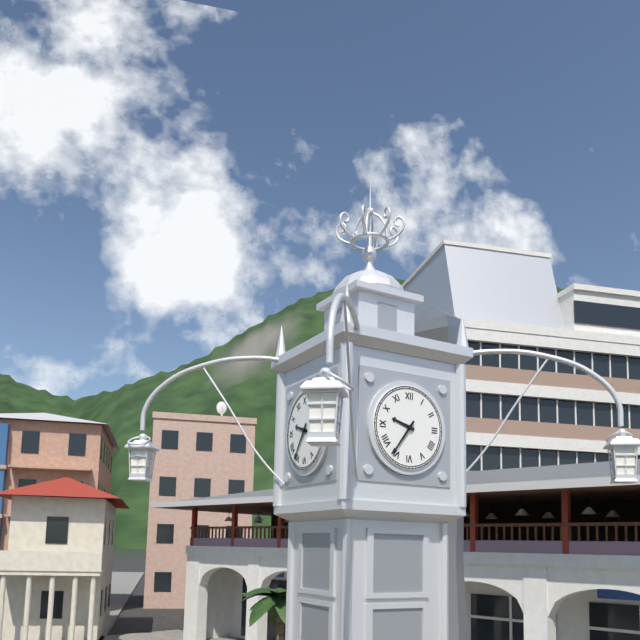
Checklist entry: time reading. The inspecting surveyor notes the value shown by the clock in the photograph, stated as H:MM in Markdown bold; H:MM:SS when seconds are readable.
**9:36**
